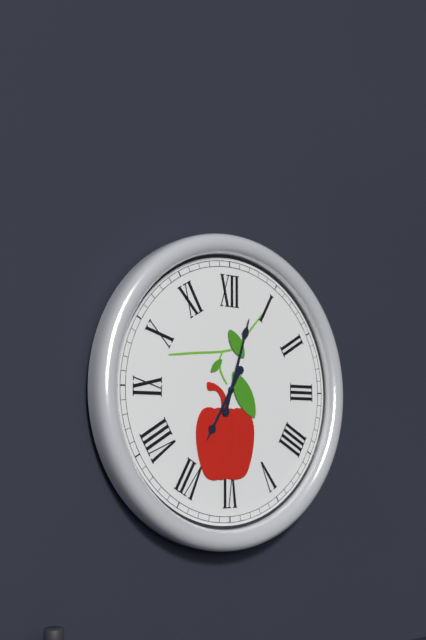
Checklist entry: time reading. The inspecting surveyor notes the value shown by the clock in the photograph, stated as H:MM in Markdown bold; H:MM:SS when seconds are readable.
**7:03**
